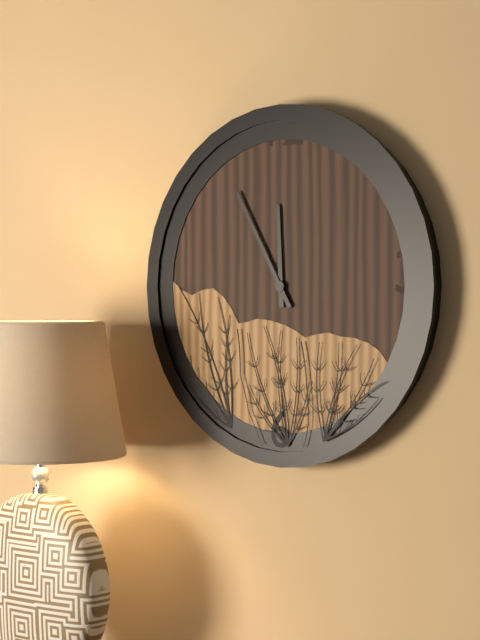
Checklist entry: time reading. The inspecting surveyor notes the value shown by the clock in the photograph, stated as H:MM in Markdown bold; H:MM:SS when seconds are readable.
**11:55**
